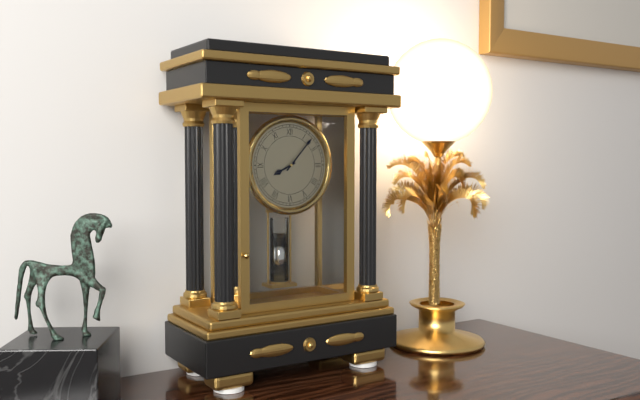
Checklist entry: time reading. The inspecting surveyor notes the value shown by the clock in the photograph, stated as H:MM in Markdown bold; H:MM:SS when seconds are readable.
**8:07**
